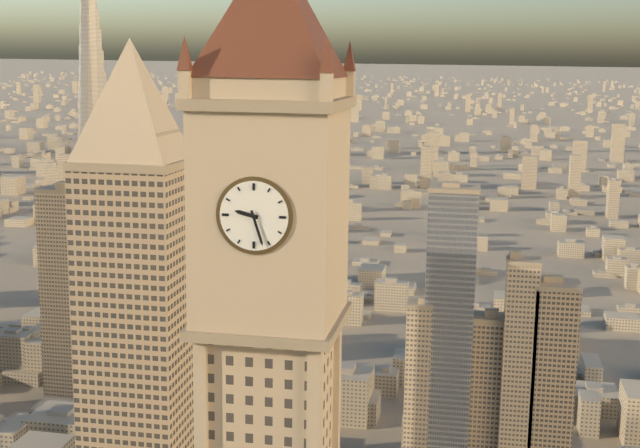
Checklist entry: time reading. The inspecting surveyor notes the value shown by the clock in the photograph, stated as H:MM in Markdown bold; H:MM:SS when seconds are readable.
**9:27**
